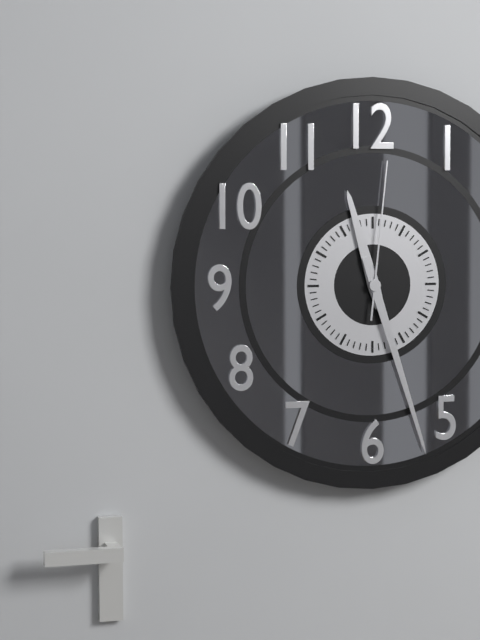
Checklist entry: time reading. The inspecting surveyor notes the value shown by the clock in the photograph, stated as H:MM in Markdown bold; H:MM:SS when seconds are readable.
**11:27:01**
